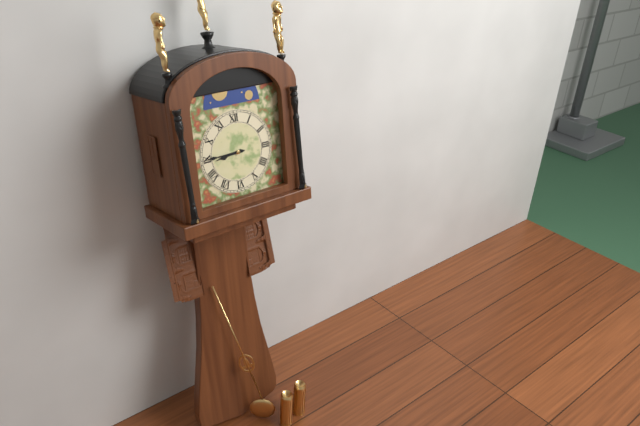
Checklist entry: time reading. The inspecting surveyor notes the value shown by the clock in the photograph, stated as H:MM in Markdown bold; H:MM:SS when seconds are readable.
**8:45**
